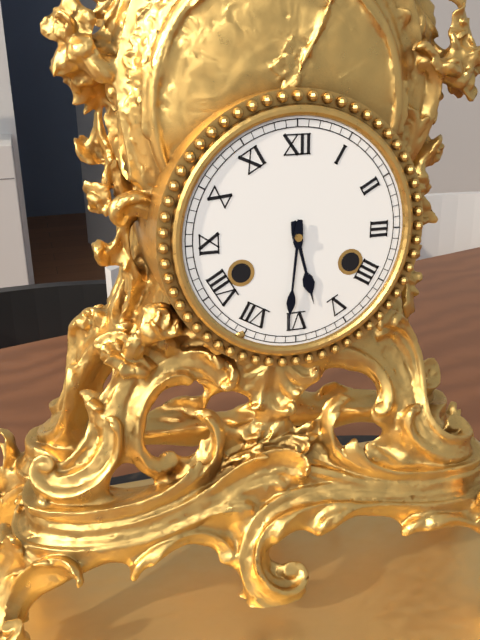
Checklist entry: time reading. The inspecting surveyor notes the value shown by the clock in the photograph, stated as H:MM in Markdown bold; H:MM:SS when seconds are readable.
**5:31**
